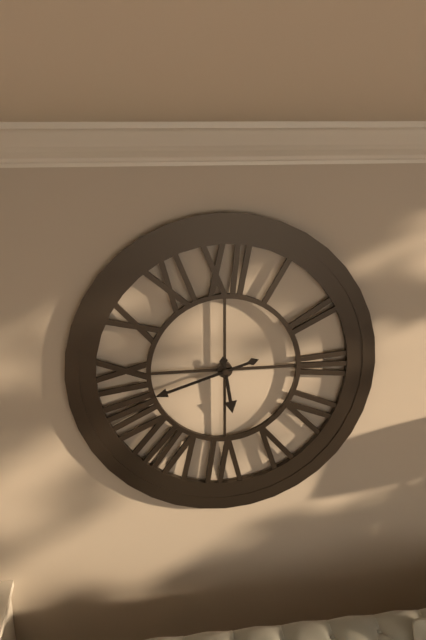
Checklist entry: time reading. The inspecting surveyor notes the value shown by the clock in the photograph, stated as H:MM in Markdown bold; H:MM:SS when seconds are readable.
**5:42**
